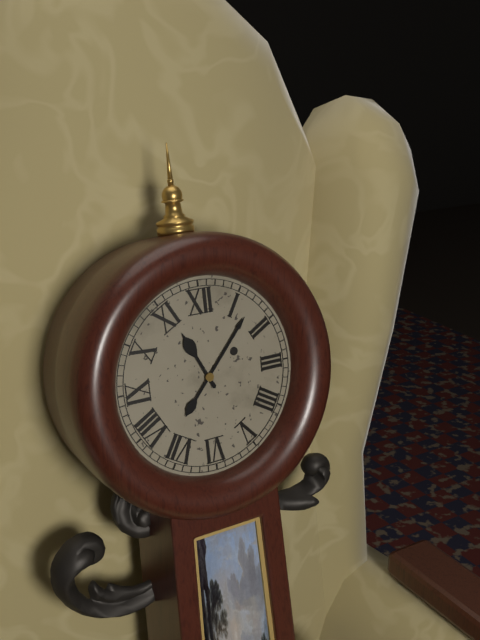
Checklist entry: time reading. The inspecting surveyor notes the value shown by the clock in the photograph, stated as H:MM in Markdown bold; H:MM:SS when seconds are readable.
**11:07**
